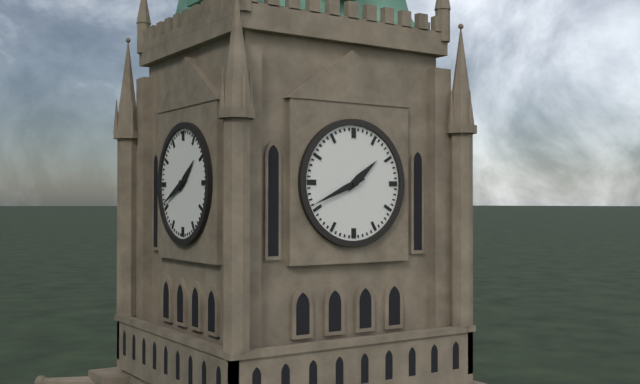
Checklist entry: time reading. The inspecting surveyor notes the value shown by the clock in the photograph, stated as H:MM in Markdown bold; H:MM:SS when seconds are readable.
**1:41**
